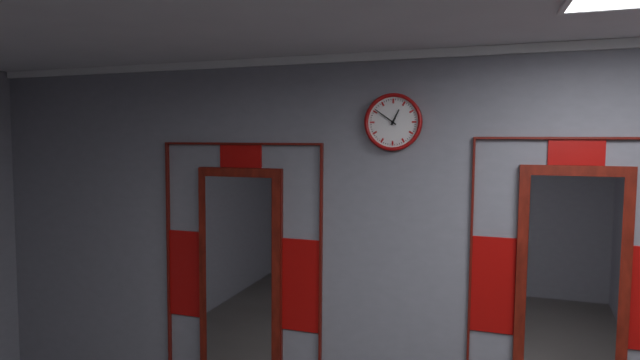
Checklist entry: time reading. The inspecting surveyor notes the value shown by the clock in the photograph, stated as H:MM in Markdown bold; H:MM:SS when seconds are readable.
**12:51**
